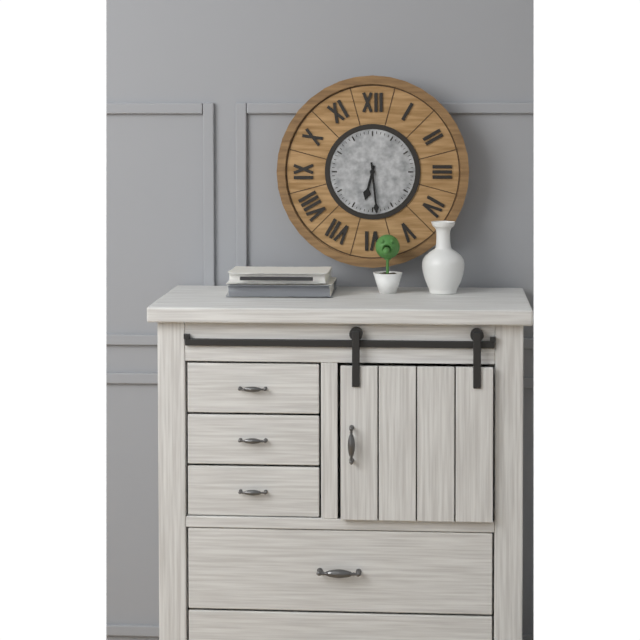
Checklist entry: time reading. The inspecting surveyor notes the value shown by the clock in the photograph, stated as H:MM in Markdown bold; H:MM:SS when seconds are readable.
**6:29**
